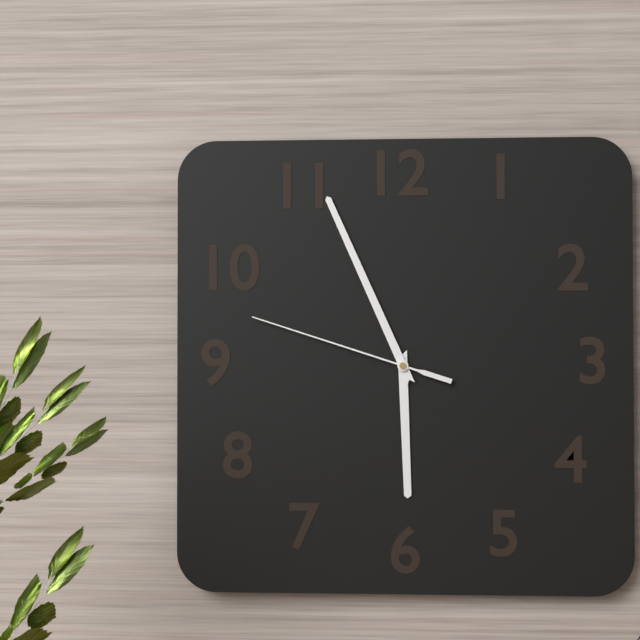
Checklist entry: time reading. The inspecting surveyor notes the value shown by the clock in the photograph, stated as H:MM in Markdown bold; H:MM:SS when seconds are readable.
**5:56:48**
